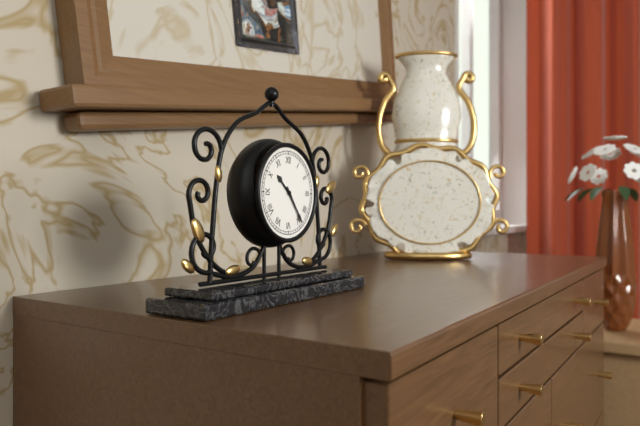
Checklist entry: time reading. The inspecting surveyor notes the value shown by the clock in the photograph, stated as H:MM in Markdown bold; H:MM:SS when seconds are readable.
**10:24**
